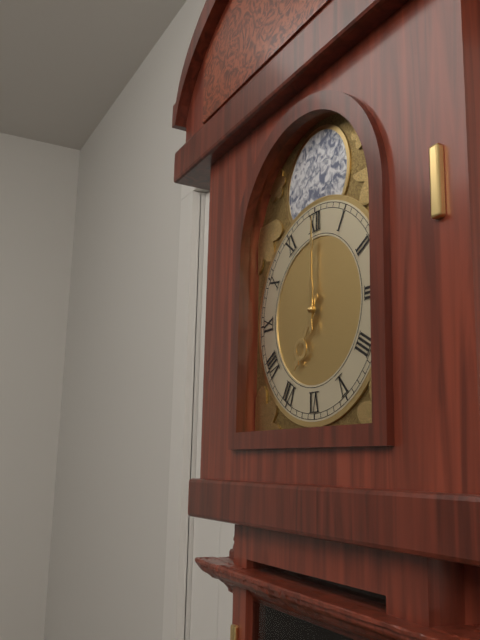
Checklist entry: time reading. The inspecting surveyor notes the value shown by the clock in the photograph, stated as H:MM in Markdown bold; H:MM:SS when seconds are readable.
**7:00**
